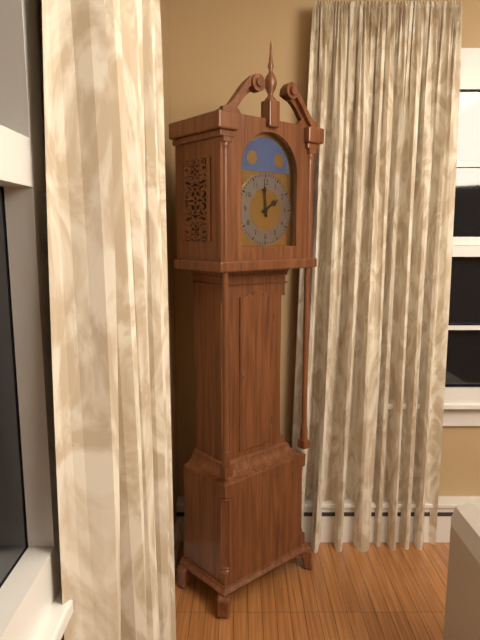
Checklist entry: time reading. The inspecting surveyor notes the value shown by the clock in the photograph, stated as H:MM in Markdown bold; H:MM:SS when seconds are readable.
**1:59**
